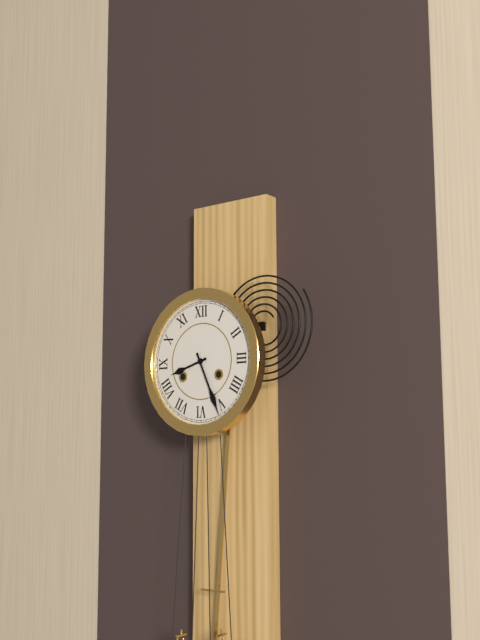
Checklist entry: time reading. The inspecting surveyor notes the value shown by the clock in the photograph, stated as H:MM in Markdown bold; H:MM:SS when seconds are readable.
**8:26**
